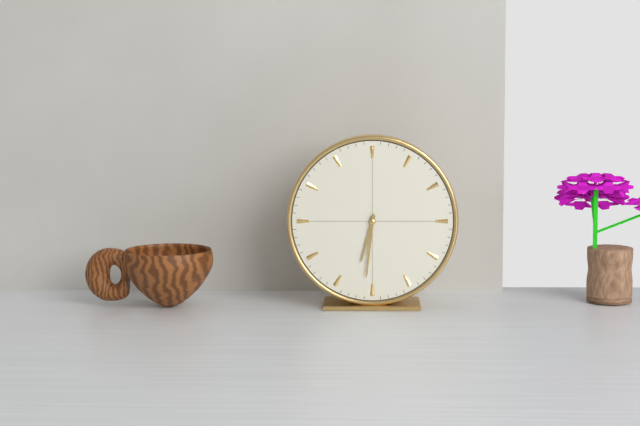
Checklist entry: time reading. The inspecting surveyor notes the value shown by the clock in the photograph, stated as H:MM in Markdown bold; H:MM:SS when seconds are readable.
**6:31**
